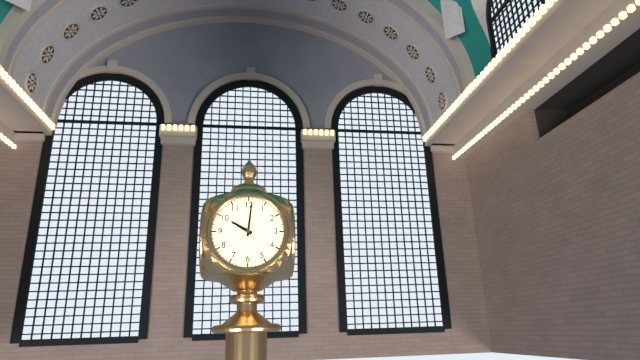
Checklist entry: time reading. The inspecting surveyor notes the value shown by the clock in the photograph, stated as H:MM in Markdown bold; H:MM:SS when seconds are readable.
**10:01**
